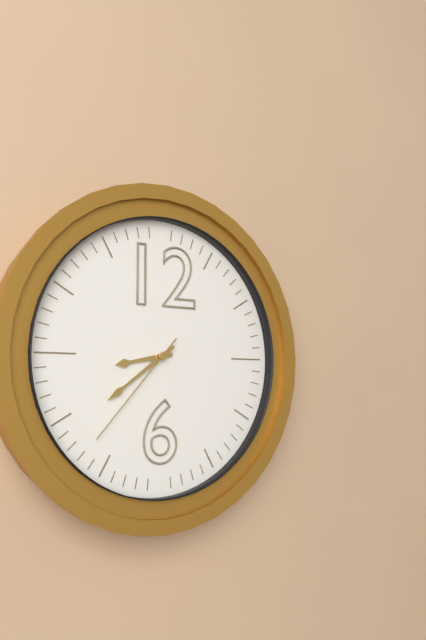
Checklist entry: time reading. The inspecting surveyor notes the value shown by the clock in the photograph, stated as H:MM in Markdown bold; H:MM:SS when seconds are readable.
**8:39:37**
